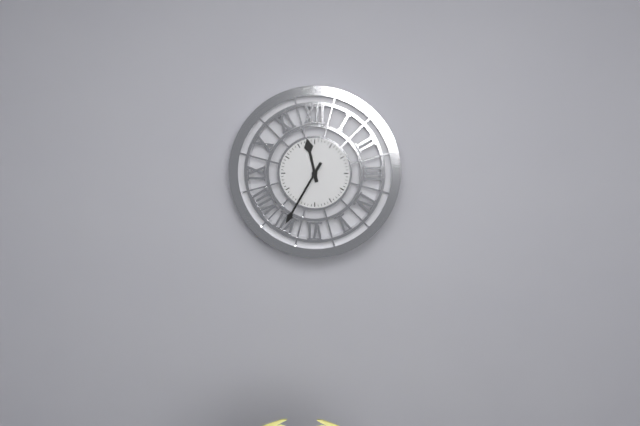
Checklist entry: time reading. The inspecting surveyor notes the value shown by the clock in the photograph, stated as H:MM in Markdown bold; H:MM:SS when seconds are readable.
**11:35**
